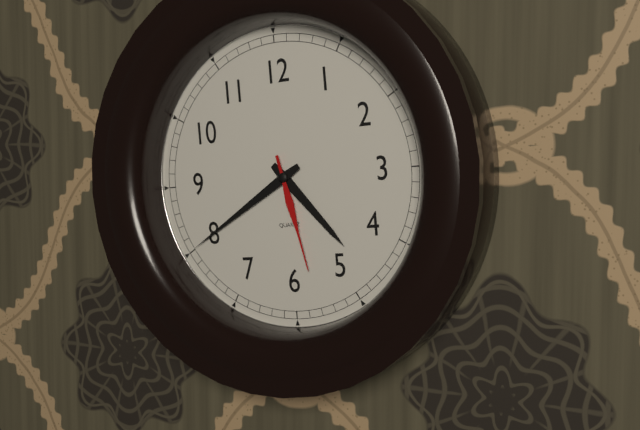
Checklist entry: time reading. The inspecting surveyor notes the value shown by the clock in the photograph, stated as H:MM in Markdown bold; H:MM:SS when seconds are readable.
**4:40:28**
